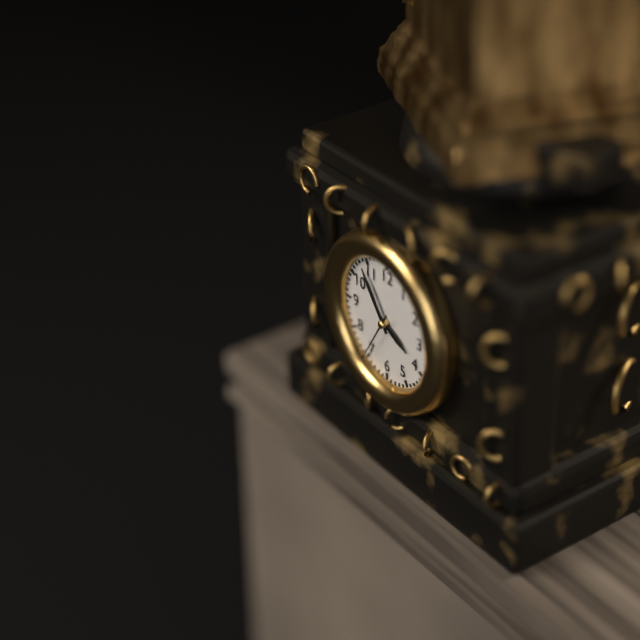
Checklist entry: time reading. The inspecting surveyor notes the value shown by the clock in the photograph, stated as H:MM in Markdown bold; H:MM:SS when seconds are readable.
**3:54:35**
